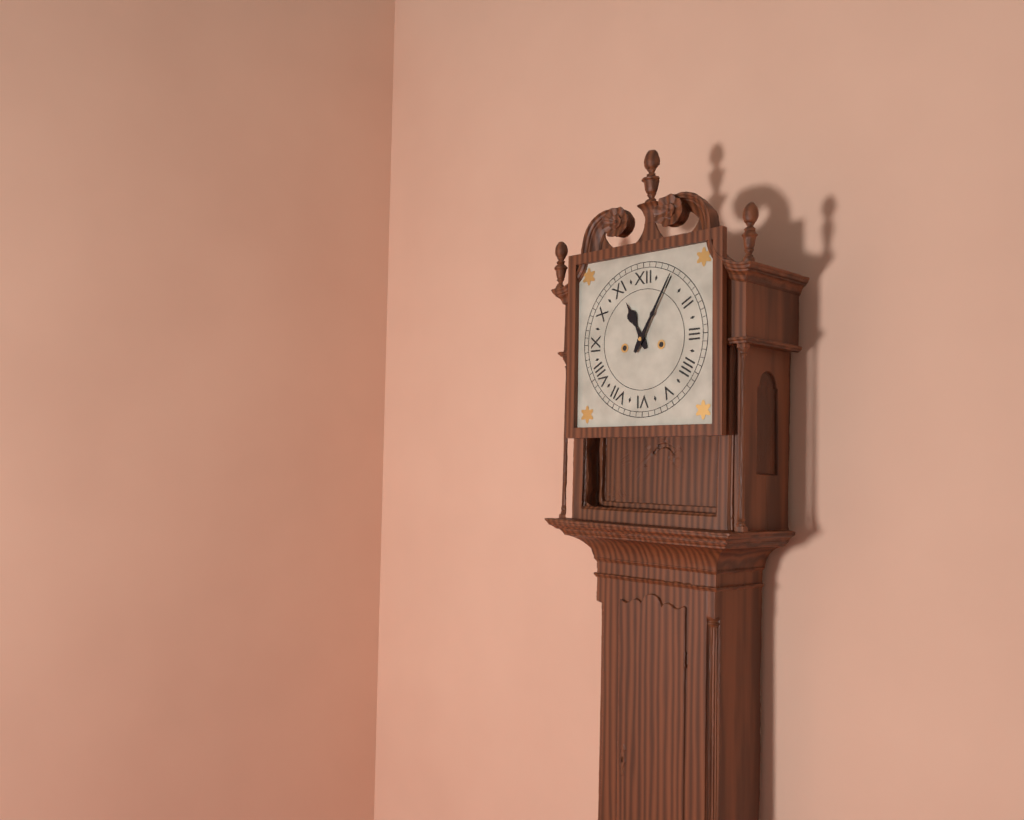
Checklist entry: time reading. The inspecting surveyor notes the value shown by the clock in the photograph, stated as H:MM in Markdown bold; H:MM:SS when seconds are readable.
**11:05**
